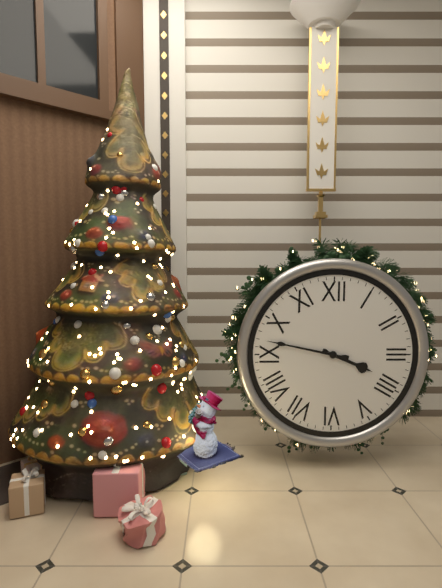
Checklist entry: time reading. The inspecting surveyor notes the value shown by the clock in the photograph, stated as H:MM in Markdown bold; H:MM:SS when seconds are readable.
**3:47**
